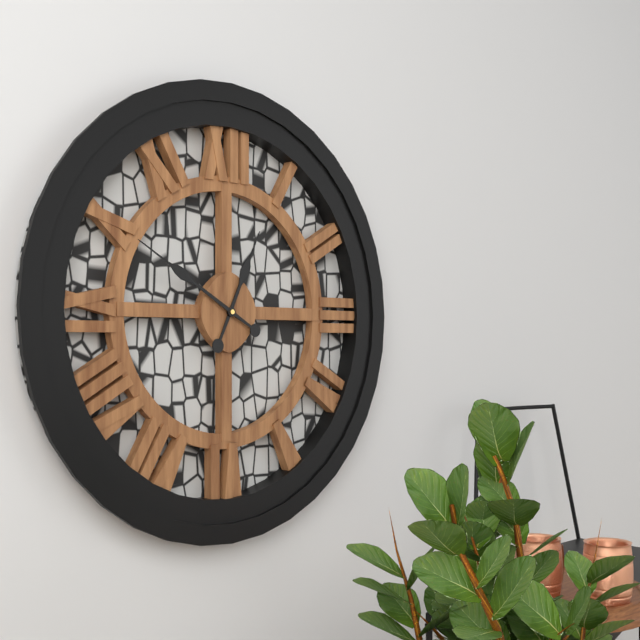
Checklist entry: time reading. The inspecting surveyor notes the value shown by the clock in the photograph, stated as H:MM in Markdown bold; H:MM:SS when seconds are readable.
**12:50**
